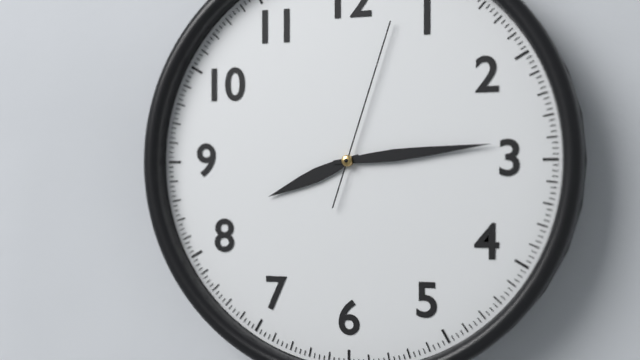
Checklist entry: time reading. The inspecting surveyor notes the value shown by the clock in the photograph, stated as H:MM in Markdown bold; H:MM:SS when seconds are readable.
**8:14:03**
